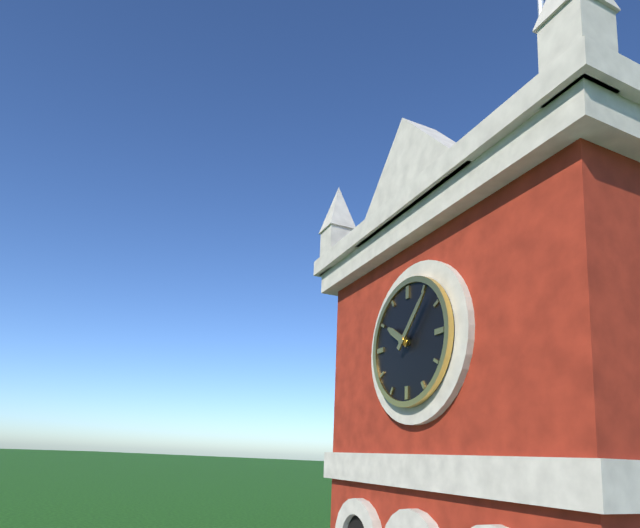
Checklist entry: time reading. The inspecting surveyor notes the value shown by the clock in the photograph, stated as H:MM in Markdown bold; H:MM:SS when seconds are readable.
**10:07**
